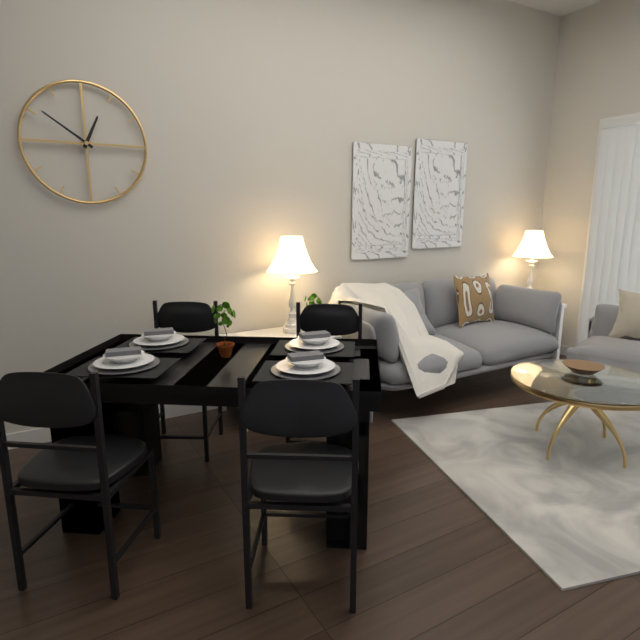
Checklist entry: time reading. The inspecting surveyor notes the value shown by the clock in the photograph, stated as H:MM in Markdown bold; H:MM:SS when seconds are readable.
**12:51**
